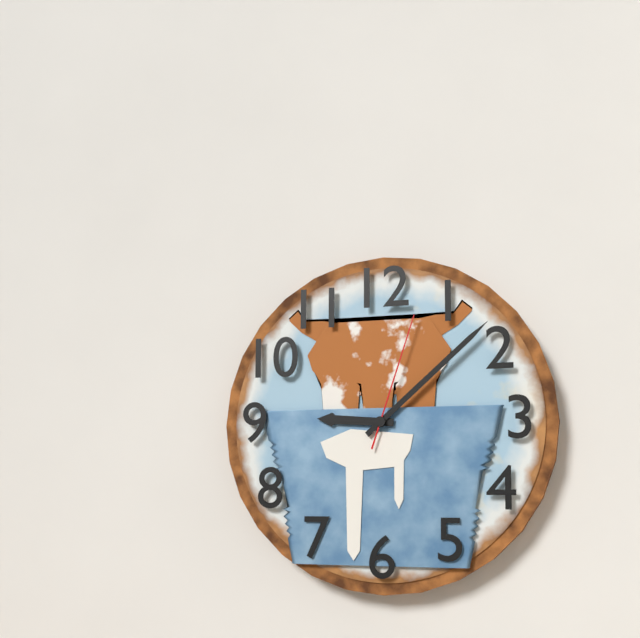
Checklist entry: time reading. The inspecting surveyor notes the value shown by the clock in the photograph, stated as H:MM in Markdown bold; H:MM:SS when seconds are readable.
**9:08:03**
